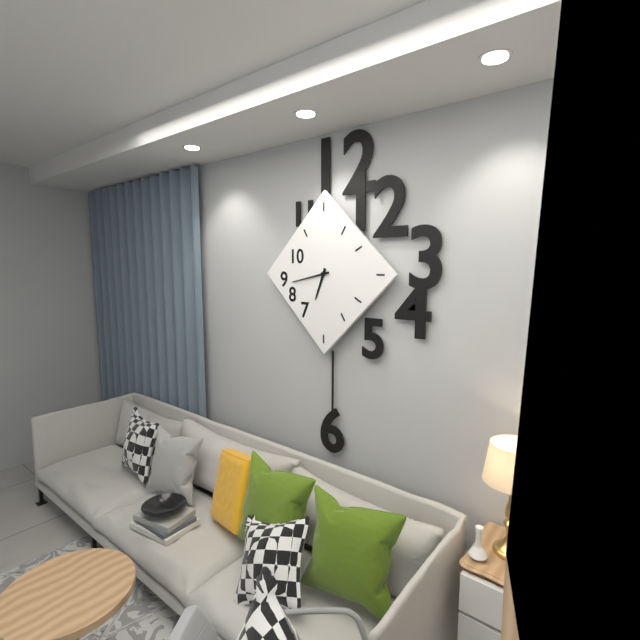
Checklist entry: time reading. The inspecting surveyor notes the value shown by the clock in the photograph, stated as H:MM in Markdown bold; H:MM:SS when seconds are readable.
**6:43**
